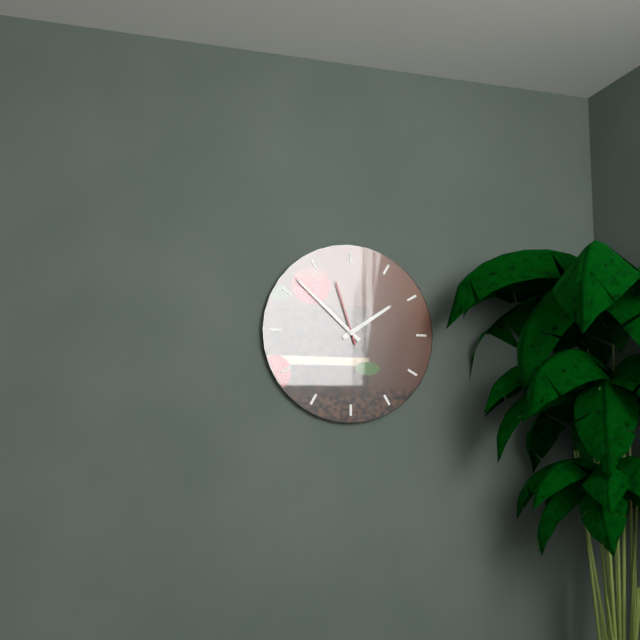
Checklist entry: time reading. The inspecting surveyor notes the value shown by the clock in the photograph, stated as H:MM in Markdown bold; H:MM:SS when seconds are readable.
**1:52:57**
